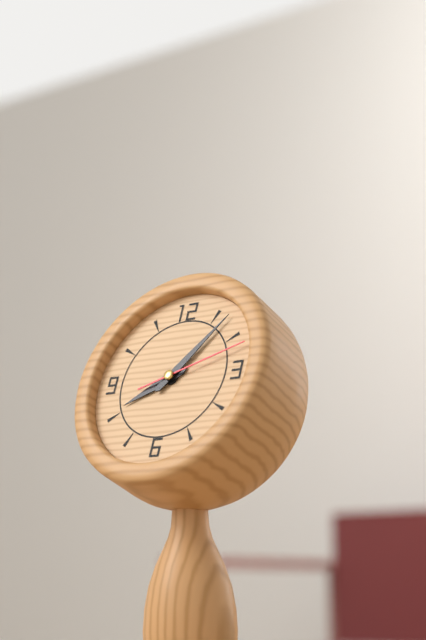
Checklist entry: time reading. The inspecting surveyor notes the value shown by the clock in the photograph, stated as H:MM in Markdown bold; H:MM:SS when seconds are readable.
**8:07:12**
